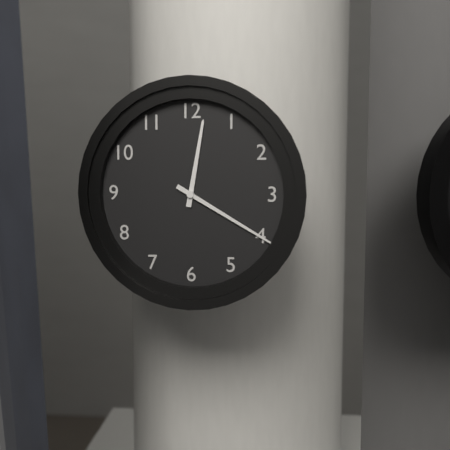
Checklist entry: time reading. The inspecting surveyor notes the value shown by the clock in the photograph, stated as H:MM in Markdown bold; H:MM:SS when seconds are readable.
**12:20**
